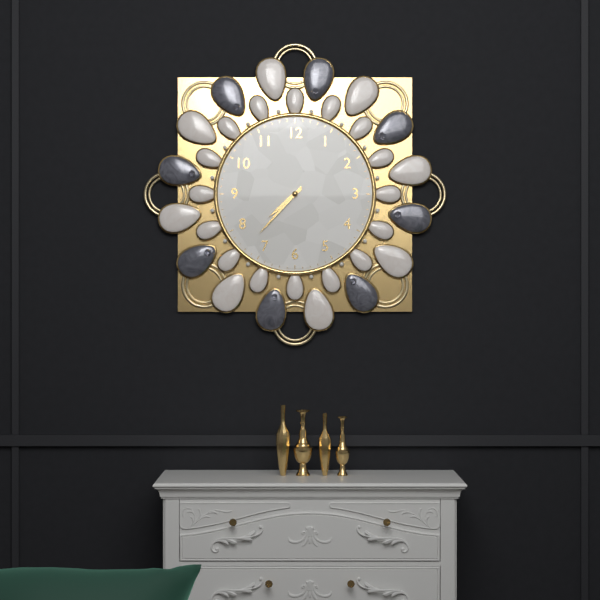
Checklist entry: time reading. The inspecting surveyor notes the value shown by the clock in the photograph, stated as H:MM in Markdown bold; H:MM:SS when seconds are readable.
**7:37**
